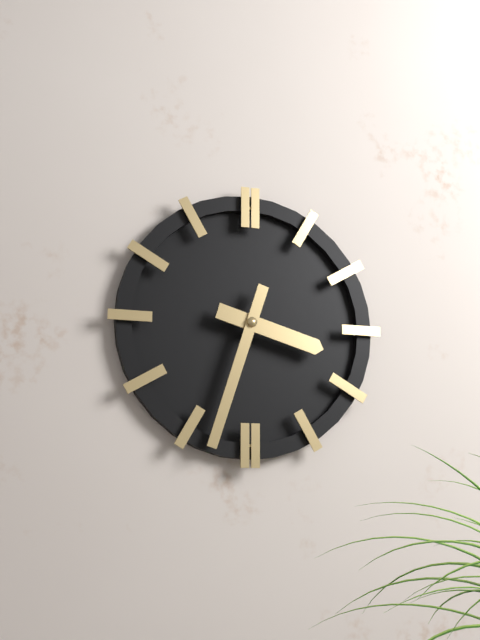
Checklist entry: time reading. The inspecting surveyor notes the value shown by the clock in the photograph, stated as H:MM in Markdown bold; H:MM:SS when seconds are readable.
**3:33**
